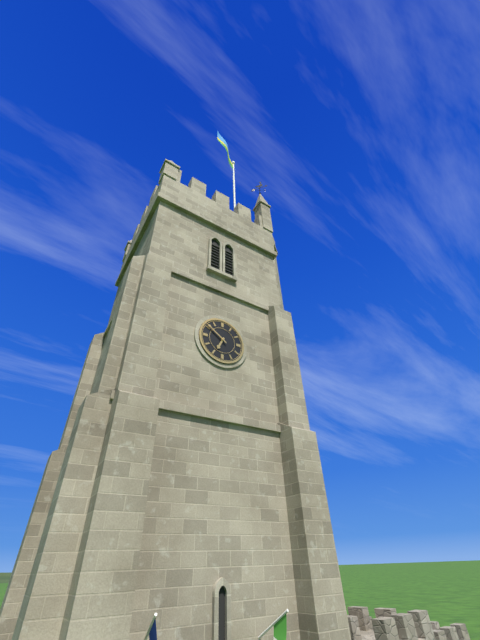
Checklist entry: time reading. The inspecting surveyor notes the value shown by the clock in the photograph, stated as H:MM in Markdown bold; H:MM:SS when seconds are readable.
**6:51**
